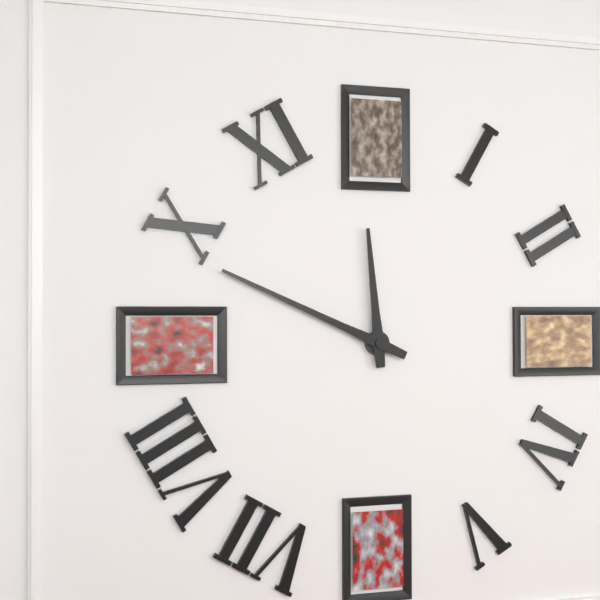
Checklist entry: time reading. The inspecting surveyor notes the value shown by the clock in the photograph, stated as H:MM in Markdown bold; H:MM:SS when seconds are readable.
**11:49**
